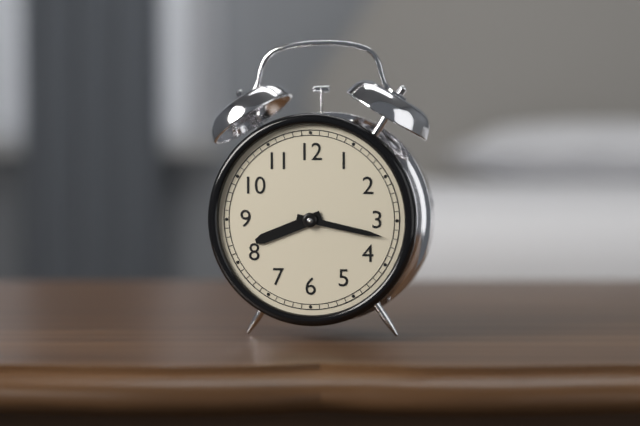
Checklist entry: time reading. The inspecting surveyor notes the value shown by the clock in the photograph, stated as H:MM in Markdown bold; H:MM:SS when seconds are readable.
**8:17**
